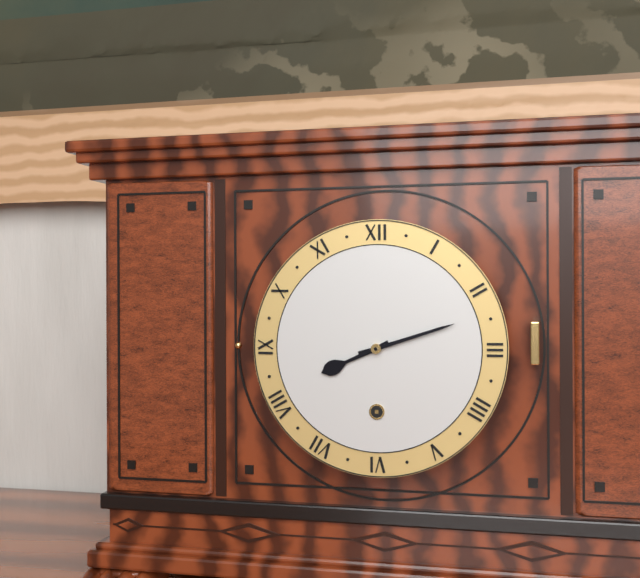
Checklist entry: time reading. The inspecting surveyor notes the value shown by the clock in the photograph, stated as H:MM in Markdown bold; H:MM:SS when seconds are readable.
**8:12**
